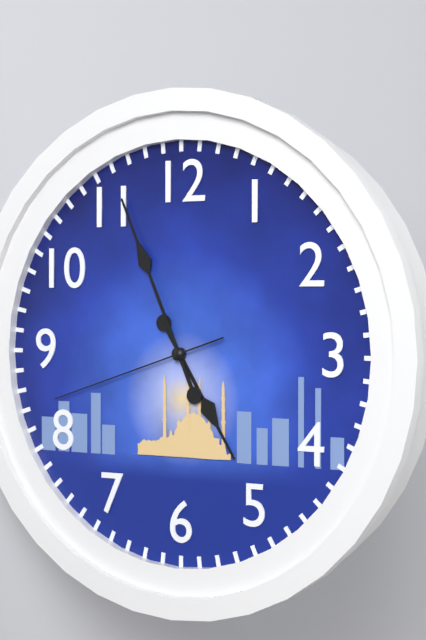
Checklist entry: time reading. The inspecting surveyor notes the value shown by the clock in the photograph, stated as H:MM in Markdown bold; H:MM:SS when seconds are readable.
**4:56:42**
